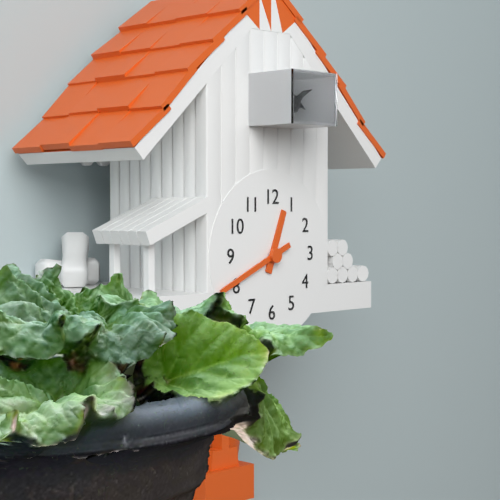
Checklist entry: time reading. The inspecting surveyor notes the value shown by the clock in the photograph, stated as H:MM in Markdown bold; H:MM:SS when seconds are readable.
**12:41**
